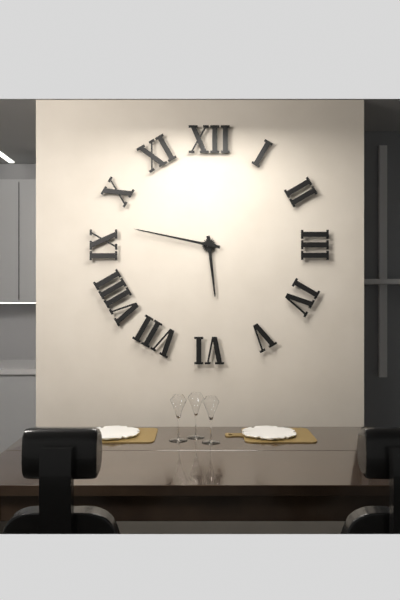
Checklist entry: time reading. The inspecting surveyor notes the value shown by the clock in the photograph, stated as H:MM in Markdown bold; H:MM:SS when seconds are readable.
**5:47**
